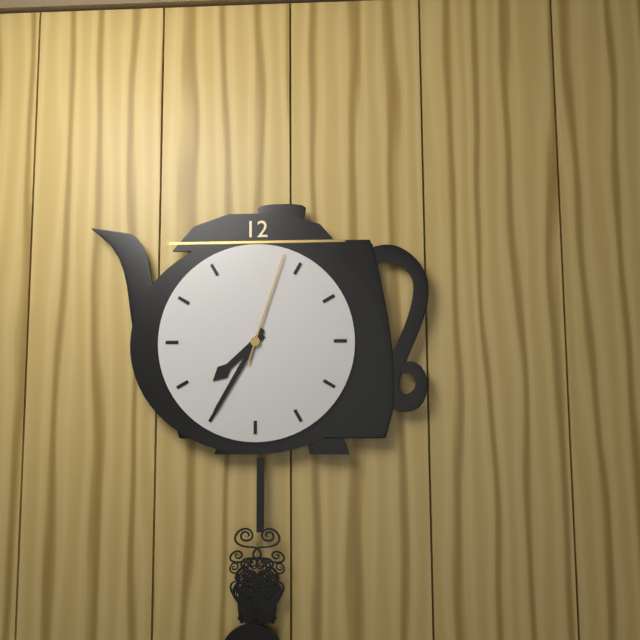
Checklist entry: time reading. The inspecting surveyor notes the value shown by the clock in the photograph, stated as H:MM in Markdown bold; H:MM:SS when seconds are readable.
**7:35:03**
